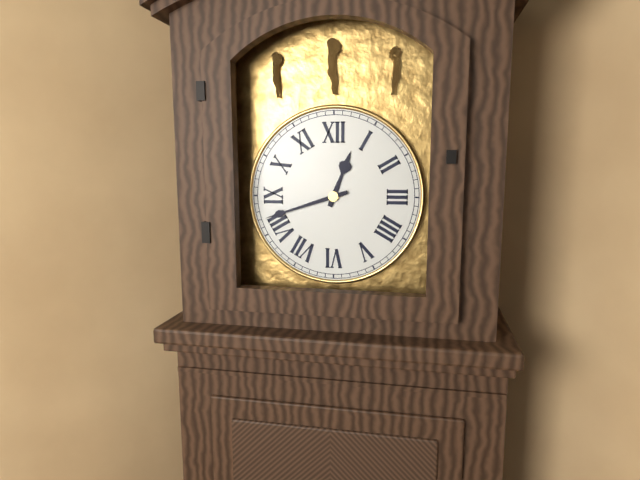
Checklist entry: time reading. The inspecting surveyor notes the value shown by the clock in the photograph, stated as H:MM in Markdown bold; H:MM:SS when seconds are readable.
**12:42**
